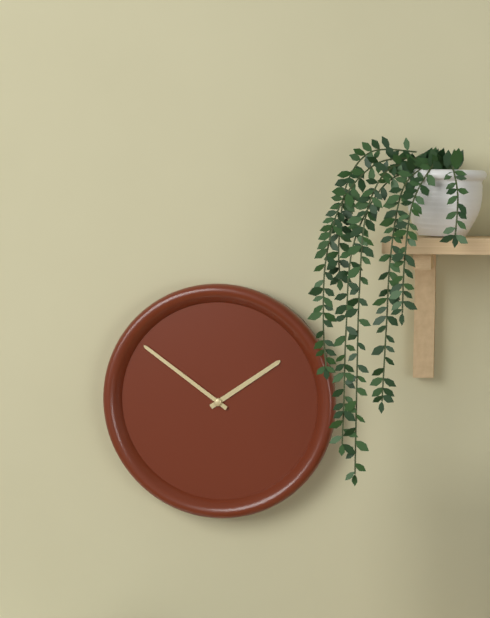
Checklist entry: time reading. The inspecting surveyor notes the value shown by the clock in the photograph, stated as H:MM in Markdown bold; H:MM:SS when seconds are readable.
**1:51**
